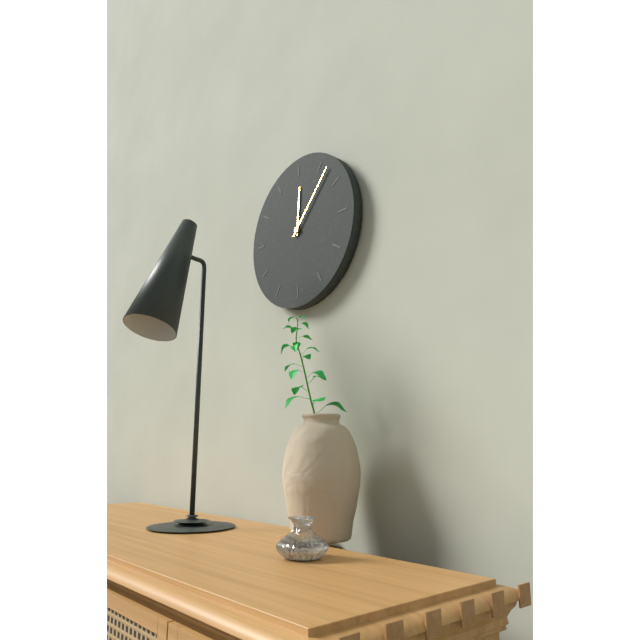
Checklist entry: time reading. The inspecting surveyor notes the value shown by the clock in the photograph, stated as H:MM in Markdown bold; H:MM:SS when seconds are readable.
**12:07**
